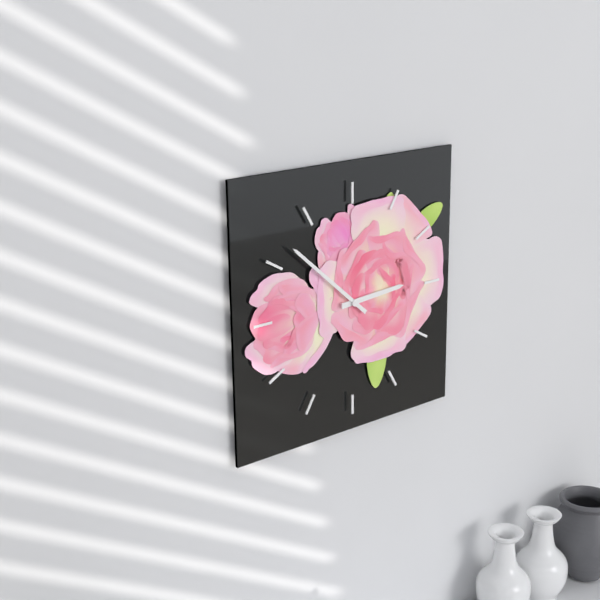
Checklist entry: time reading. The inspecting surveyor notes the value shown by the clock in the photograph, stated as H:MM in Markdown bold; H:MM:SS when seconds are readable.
**2:52**
